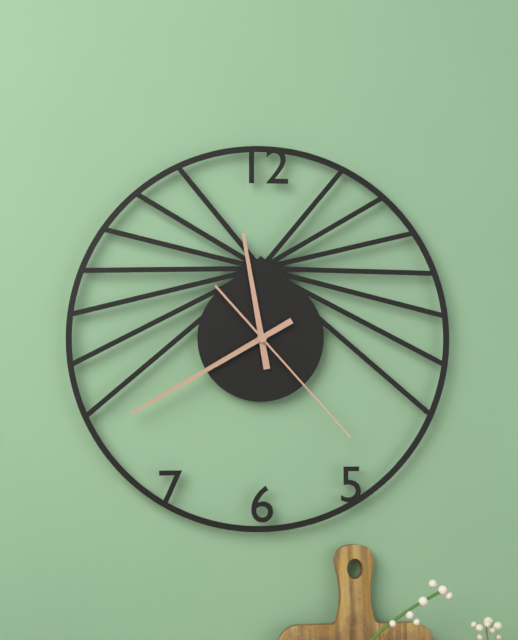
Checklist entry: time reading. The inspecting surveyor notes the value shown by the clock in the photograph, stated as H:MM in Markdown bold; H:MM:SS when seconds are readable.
**11:40:23**
